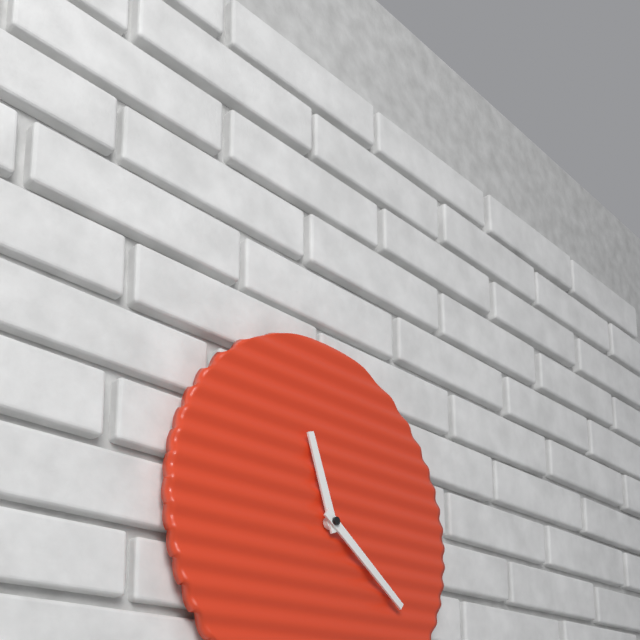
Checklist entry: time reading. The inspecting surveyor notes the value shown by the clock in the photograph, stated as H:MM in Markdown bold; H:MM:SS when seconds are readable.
**11:21**
